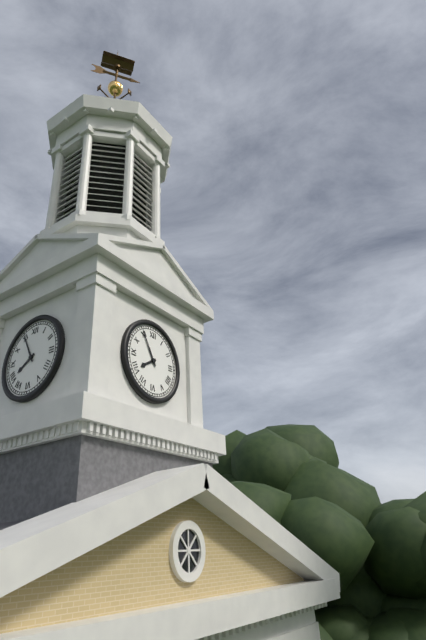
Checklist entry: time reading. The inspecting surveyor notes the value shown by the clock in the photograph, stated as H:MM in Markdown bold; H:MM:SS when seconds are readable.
**7:55**
